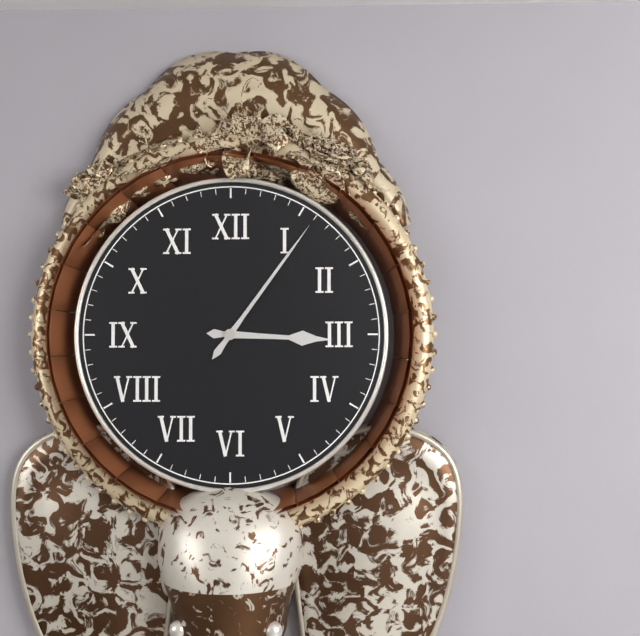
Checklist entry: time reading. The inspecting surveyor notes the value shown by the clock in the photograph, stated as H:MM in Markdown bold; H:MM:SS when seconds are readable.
**3:06**
